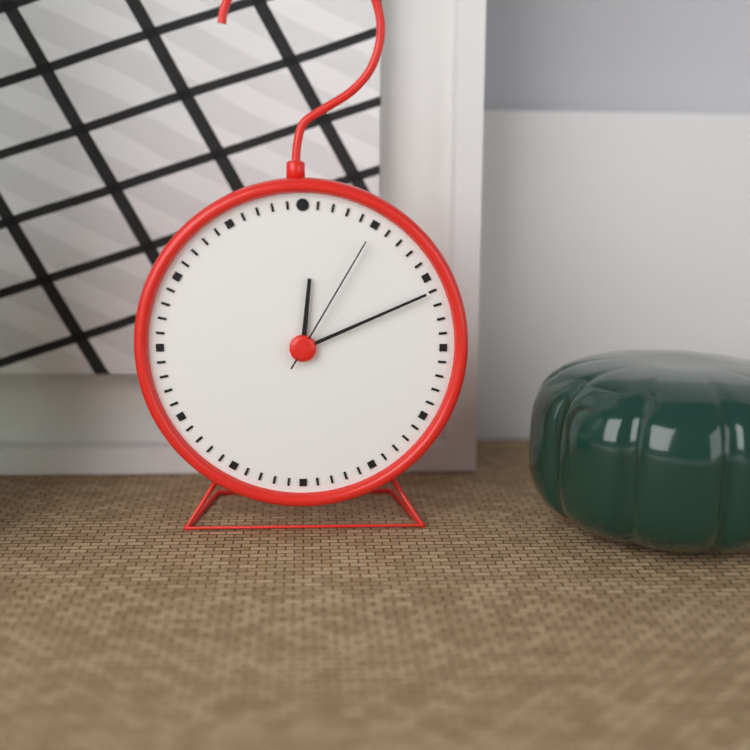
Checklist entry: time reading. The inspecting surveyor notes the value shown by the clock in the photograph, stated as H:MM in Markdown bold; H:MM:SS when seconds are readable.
**12:11:05**
